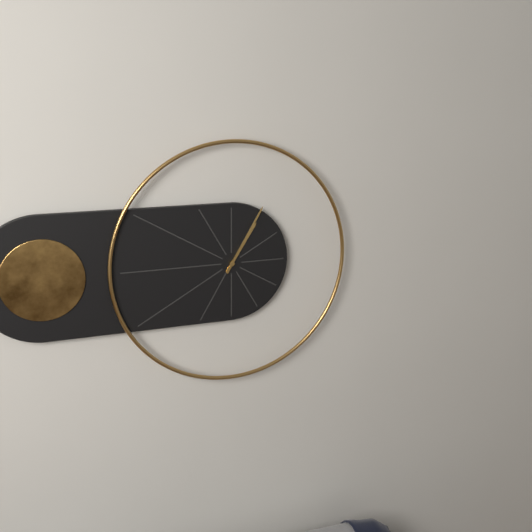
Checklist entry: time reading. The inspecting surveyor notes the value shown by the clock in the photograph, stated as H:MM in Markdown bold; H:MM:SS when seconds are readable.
**1:05**
